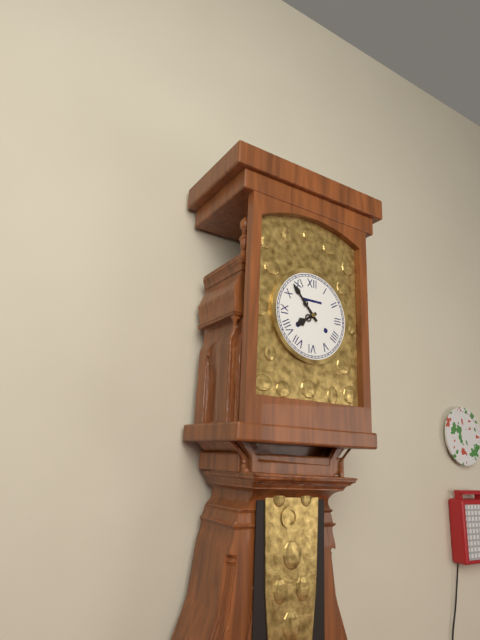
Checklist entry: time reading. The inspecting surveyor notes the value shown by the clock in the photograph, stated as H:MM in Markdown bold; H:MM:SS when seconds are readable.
**7:53**
